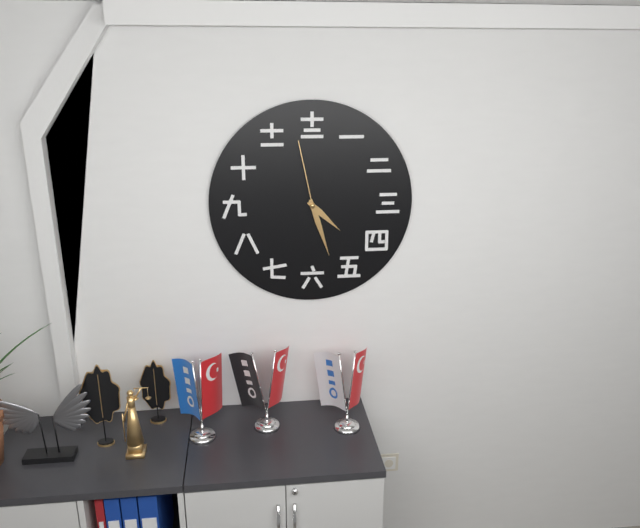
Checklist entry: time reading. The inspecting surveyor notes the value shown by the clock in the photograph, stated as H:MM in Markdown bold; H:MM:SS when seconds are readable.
**4:27:58**
